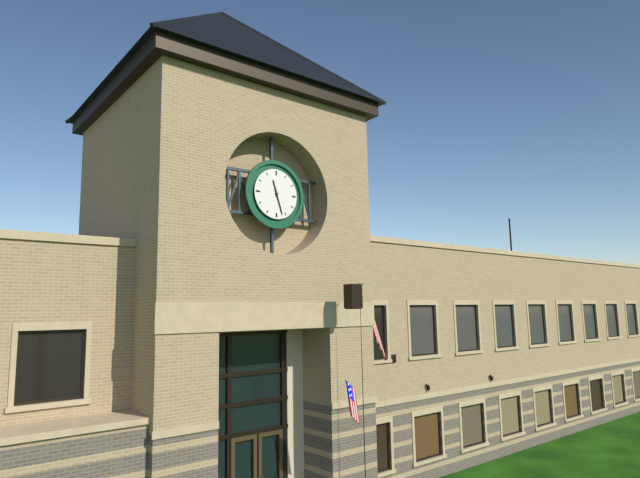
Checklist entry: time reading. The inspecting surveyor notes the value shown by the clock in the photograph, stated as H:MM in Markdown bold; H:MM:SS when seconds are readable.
**11:27**
